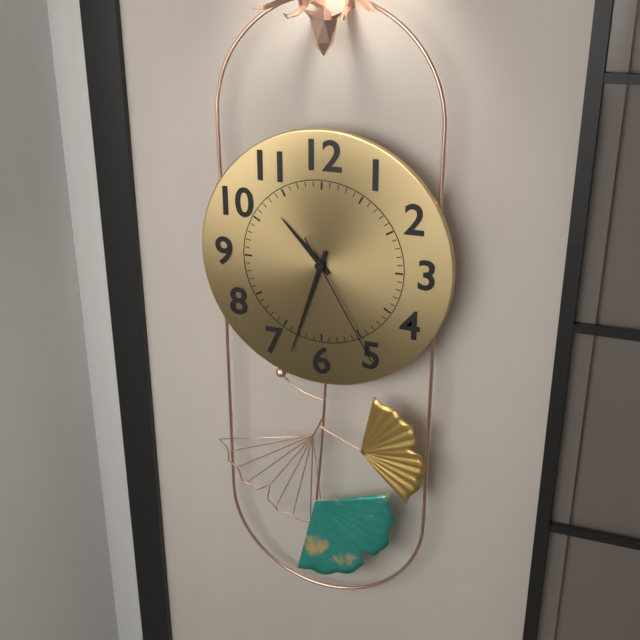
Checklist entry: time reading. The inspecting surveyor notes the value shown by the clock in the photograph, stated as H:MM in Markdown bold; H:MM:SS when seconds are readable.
**10:33:25**
